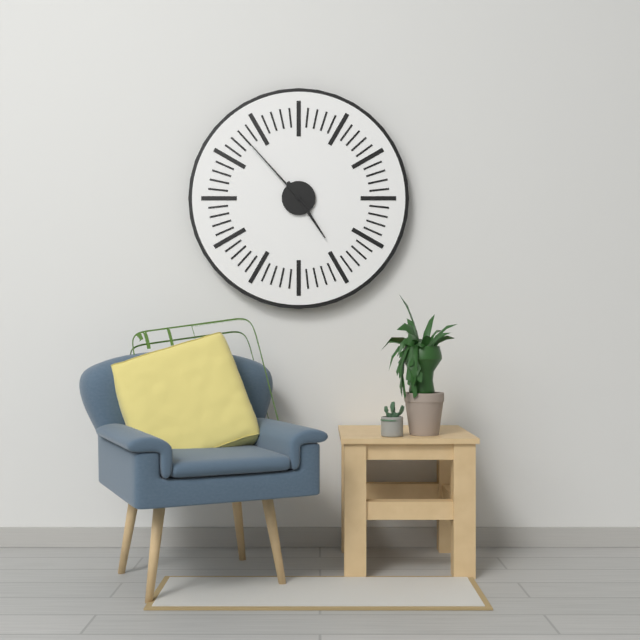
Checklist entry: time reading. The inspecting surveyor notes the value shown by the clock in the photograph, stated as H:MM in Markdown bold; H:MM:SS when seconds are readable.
**4:53**
